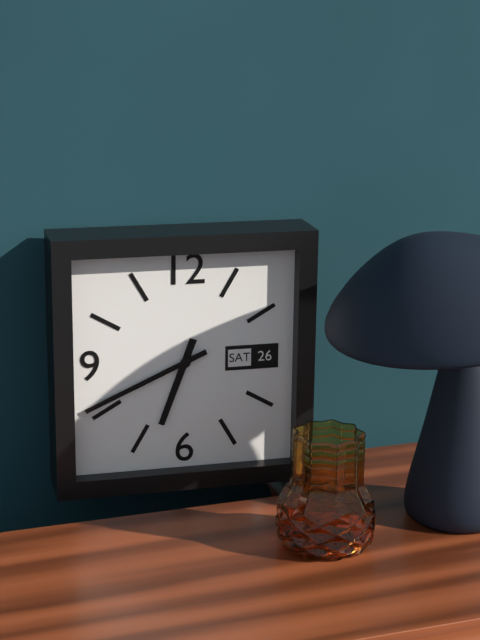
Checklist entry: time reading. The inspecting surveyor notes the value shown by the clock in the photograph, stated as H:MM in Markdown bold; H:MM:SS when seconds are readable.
**6:41**
